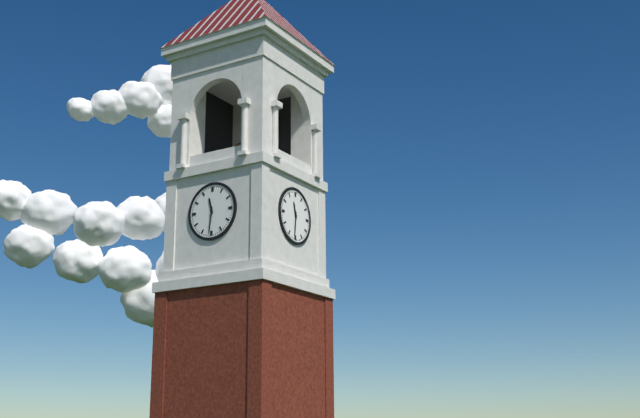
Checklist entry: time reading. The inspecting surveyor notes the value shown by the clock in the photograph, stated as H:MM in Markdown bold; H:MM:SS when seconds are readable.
**11:31**
